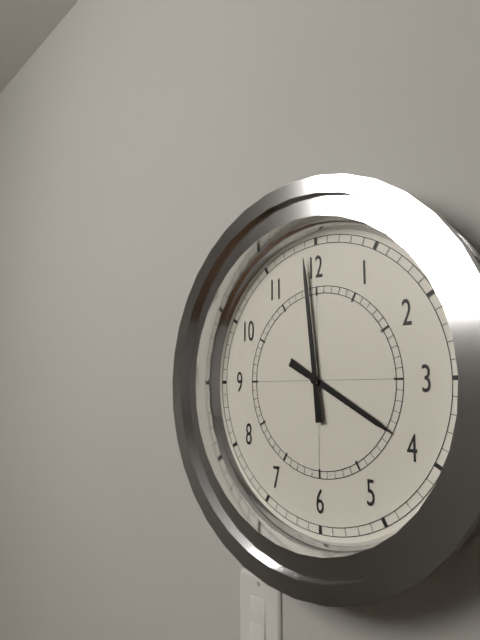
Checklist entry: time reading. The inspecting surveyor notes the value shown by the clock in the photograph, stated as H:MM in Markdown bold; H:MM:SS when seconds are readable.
**3:59**
